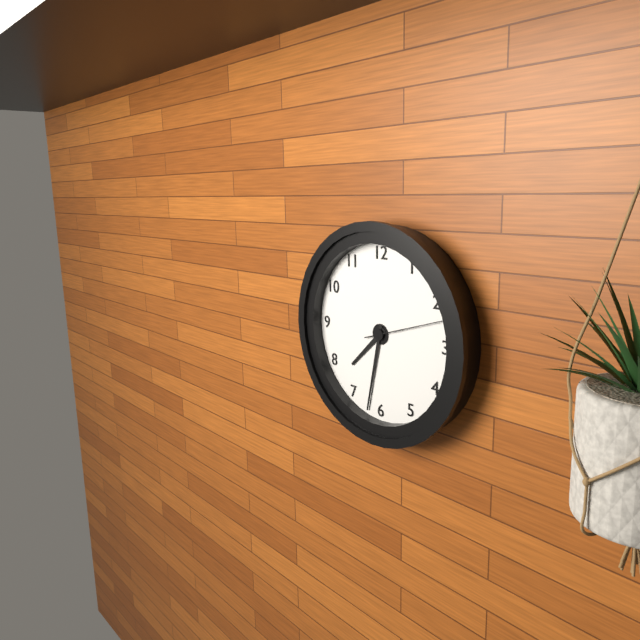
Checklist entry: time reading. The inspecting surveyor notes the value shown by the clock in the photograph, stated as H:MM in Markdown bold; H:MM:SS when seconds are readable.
**7:32:12**
